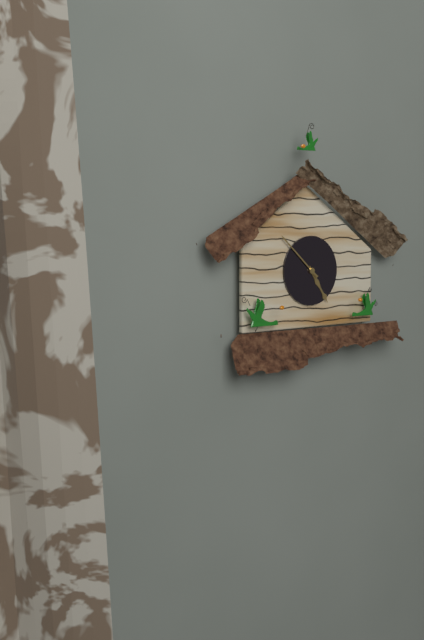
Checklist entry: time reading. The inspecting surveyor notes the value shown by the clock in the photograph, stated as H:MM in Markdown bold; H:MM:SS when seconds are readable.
**4:52**
